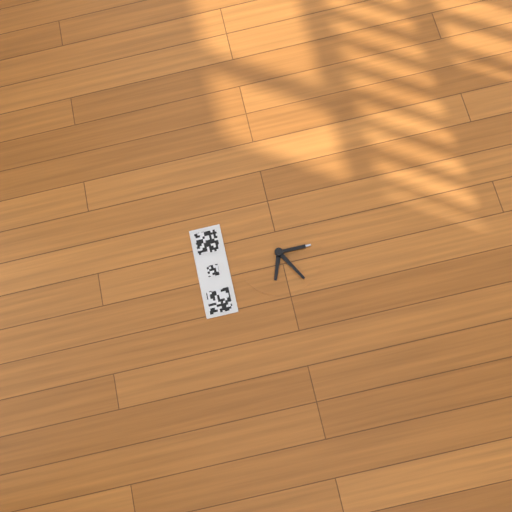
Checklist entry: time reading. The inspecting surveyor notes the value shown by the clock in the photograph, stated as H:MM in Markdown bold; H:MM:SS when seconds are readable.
**9:40**
